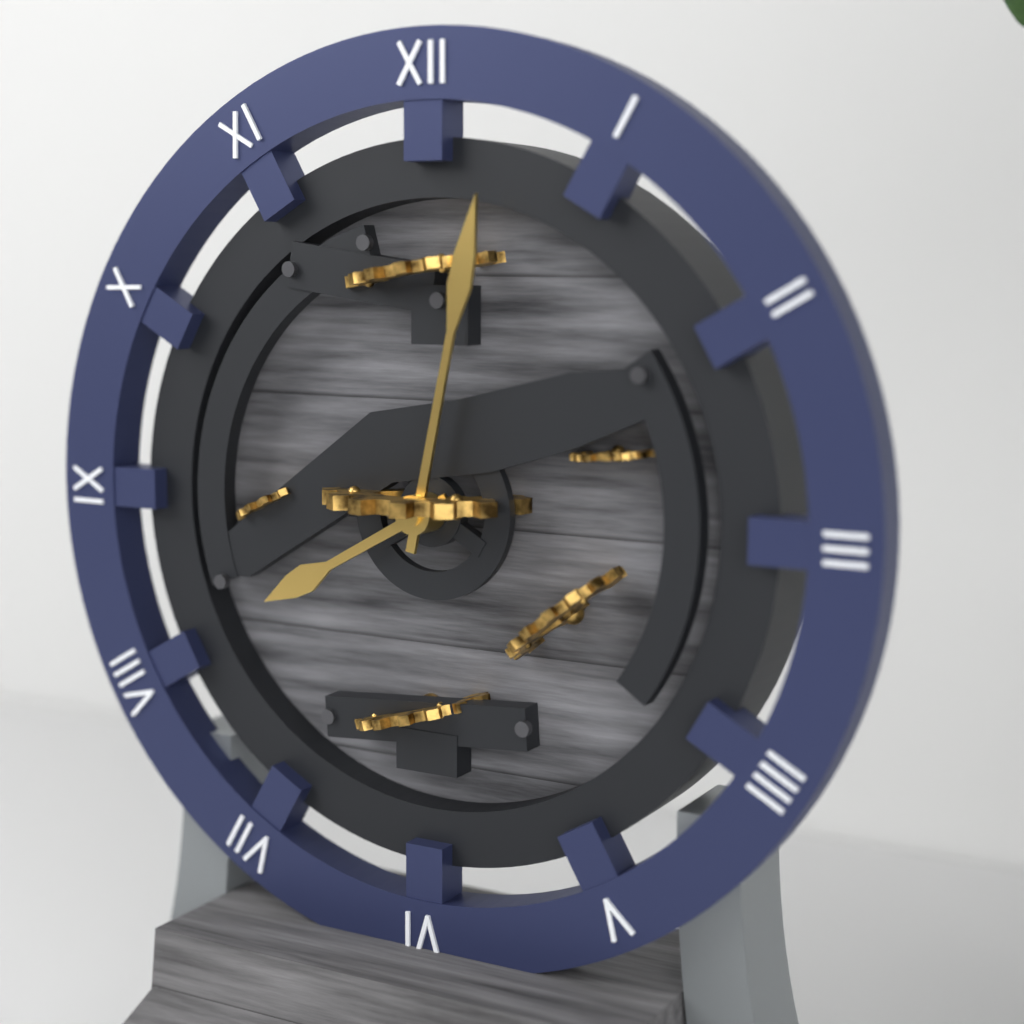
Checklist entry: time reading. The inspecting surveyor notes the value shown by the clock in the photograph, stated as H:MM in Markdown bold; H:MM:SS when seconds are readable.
**8:02**
